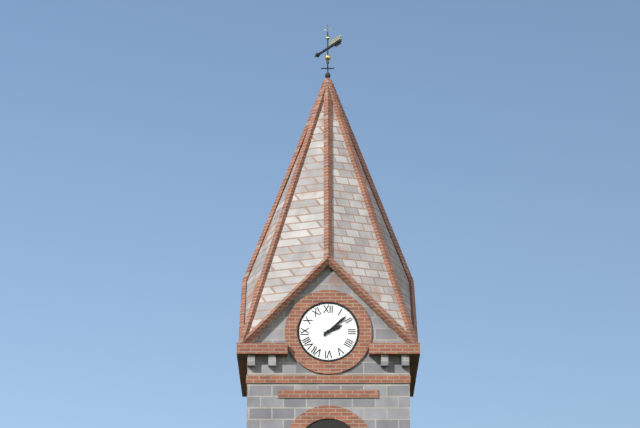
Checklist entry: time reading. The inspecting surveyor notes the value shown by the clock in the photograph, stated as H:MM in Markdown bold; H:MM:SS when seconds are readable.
**2:08**
